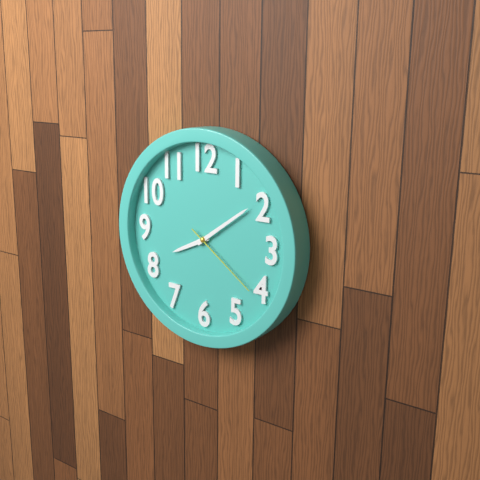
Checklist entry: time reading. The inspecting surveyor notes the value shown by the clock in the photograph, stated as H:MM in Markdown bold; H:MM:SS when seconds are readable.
**8:09:21**
